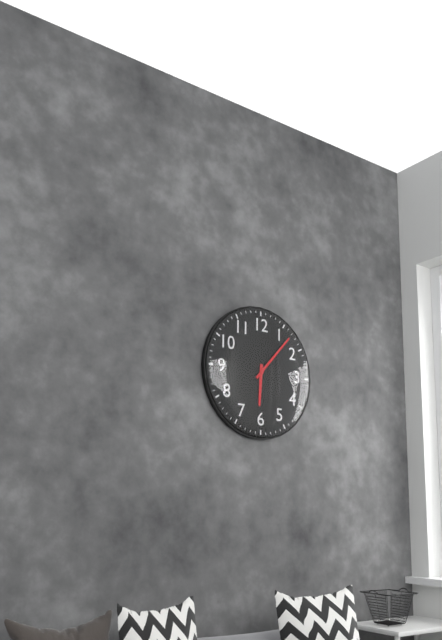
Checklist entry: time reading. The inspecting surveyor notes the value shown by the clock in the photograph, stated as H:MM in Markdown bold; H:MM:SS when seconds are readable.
**6:07**
